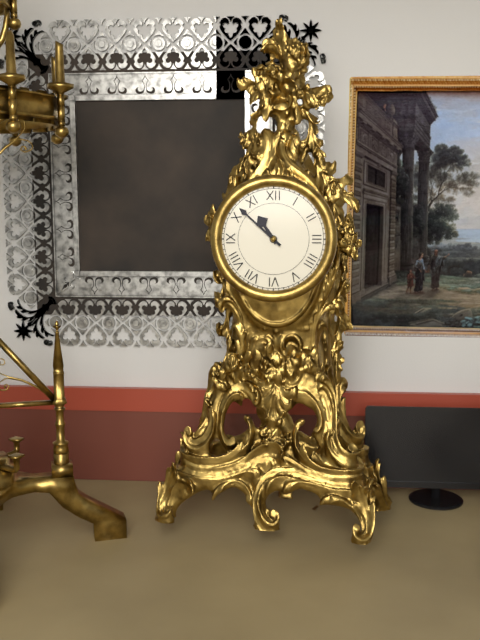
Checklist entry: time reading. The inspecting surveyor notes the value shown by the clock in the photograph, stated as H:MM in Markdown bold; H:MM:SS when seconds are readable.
**10:52**
